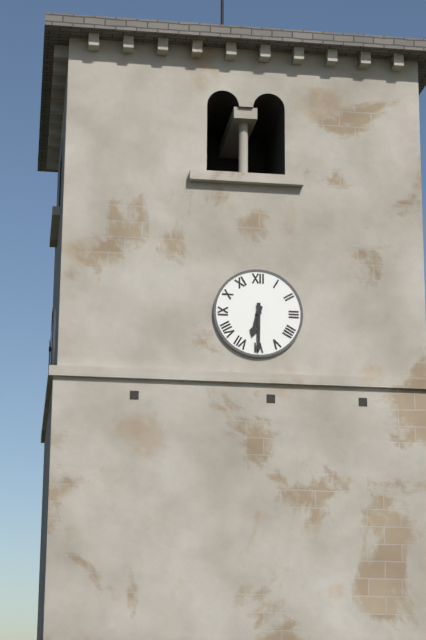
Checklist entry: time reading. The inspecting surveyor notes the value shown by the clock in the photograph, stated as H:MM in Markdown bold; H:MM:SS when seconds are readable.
**6:30**
